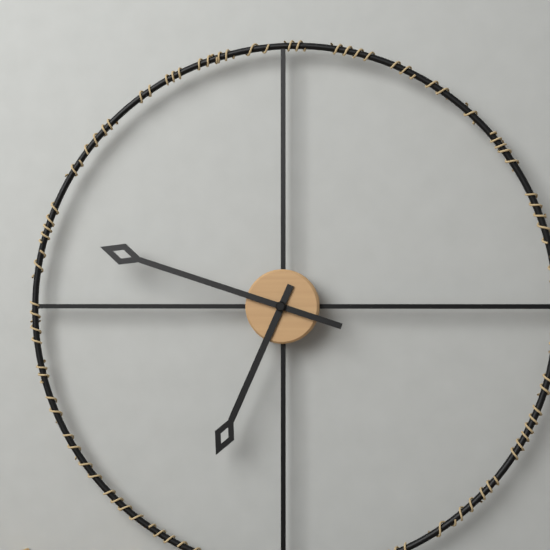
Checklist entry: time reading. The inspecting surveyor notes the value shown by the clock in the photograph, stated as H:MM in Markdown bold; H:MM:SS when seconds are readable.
**6:48**
